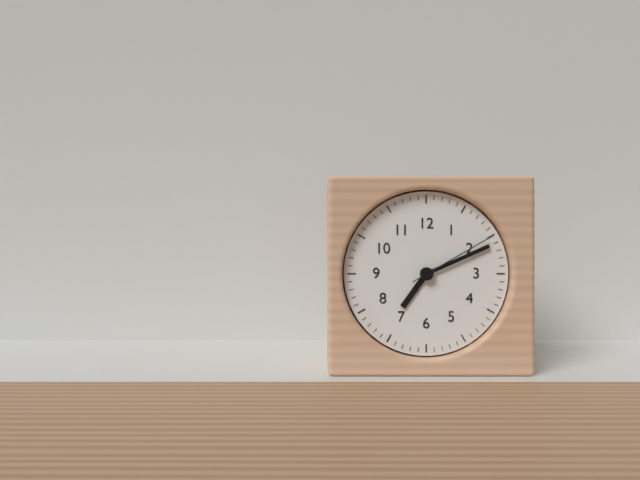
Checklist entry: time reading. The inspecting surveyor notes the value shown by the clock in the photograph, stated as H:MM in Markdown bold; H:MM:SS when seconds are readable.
**7:11:10**
